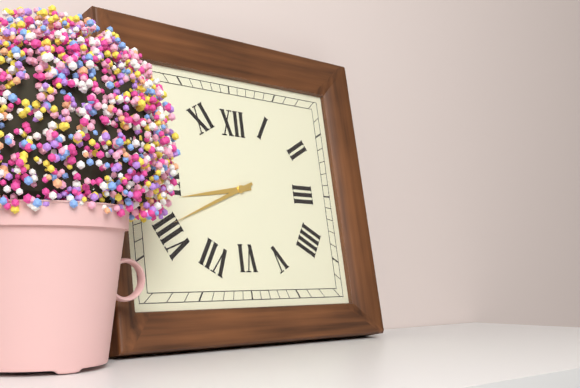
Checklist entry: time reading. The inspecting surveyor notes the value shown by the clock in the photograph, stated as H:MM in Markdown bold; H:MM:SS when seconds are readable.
**8:41**
